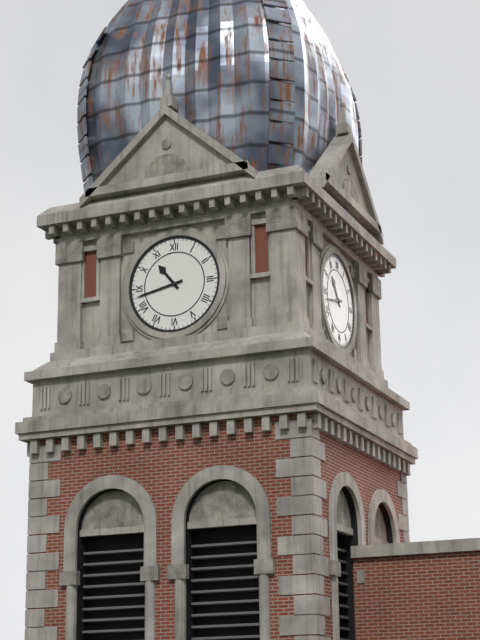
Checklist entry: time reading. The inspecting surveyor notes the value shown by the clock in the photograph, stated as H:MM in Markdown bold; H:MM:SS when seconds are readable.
**10:43**
